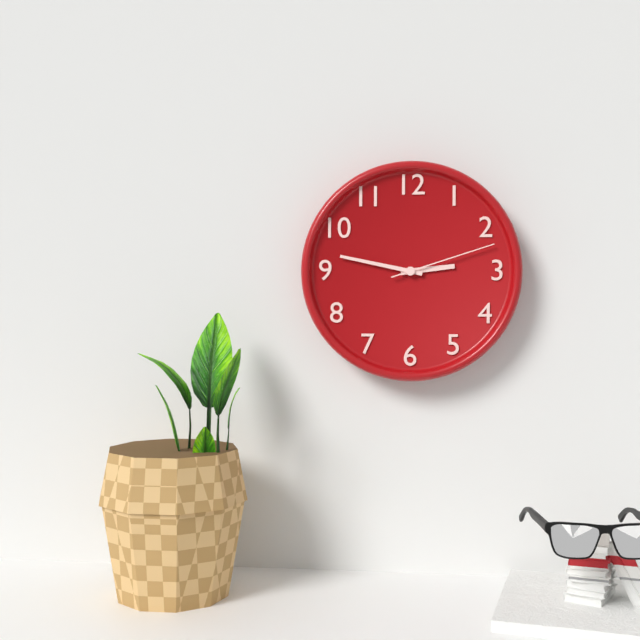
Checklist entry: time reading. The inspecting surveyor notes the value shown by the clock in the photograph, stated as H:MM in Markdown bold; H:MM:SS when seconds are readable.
**2:47:12**
